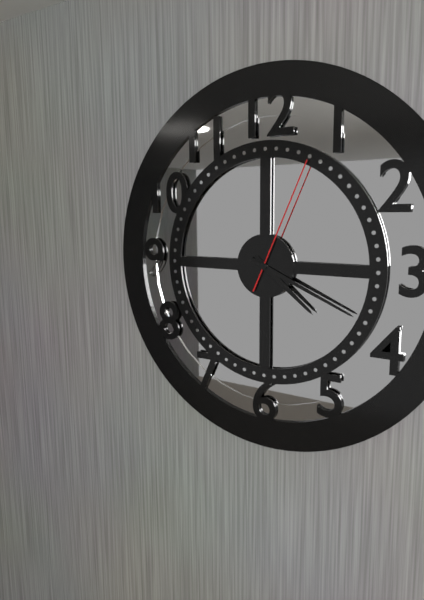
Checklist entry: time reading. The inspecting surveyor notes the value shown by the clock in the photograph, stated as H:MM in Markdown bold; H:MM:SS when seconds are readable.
**4:19:04**
